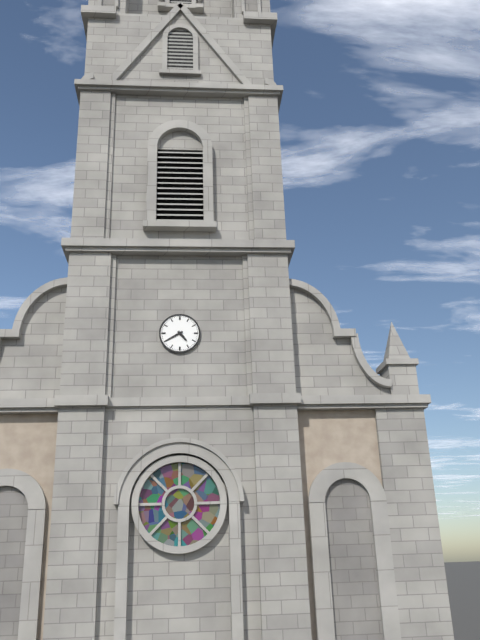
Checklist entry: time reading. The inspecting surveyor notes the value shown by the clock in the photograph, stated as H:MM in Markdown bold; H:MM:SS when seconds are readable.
**4:40**
